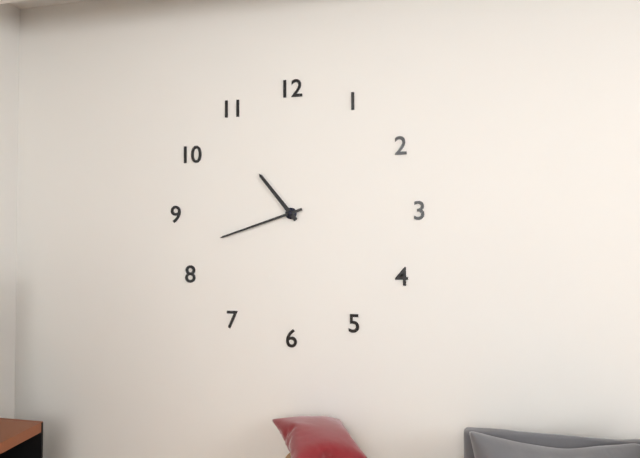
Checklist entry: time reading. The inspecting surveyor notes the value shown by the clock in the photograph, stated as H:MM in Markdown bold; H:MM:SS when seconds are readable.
**10:42**
